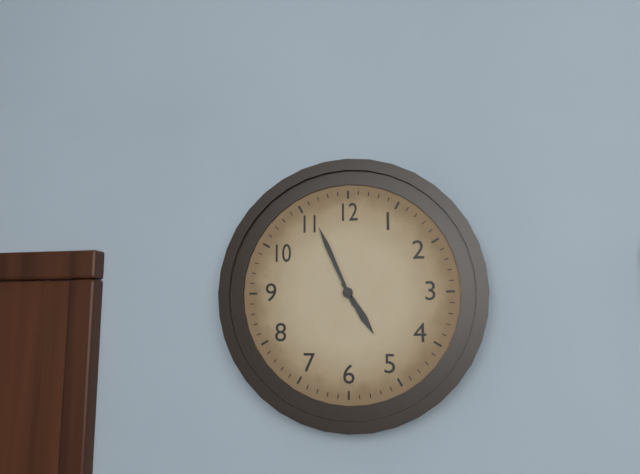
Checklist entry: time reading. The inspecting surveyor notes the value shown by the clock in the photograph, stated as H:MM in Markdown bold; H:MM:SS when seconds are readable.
**4:56**
